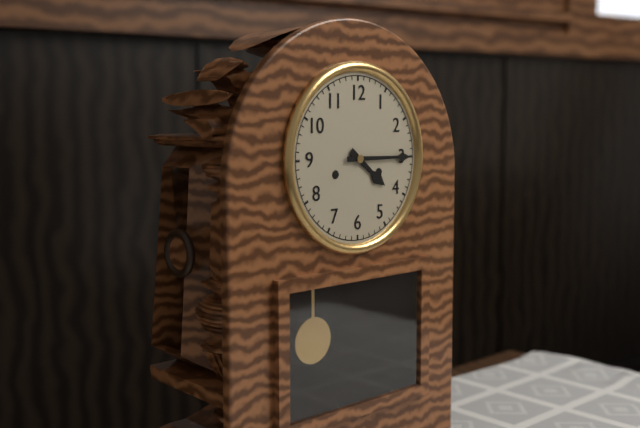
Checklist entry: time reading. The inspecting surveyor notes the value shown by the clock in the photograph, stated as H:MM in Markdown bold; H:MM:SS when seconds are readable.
**4:15**
